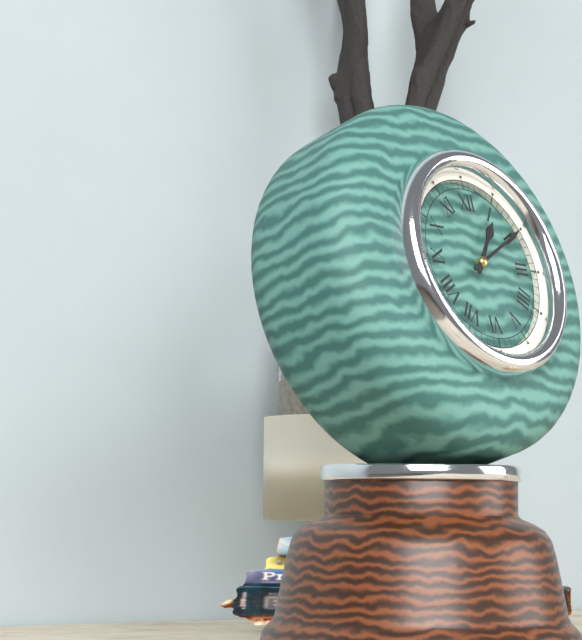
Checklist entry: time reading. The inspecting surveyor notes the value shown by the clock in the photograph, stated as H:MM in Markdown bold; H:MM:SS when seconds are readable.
**1:10**
